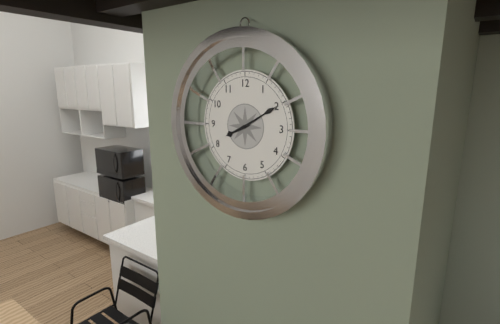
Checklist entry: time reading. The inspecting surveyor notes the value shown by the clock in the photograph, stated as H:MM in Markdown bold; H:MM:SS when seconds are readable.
**8:10**
